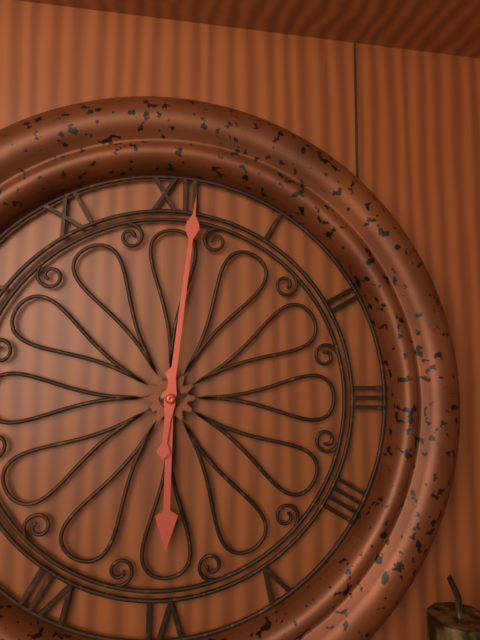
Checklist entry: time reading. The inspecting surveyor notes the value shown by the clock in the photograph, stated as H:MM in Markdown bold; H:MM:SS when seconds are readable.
**6:01**
